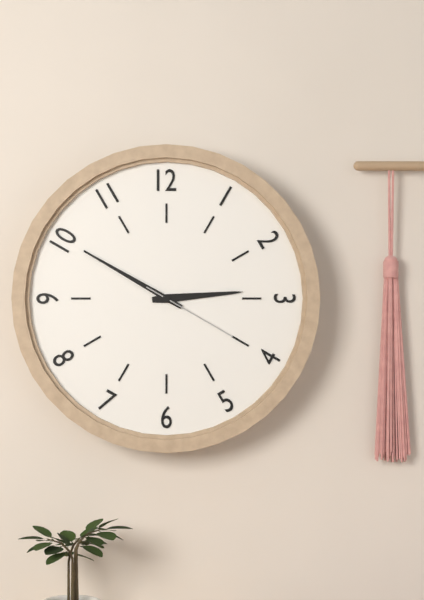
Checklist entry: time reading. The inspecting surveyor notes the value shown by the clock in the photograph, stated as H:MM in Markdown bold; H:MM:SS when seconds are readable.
**2:50:20**
